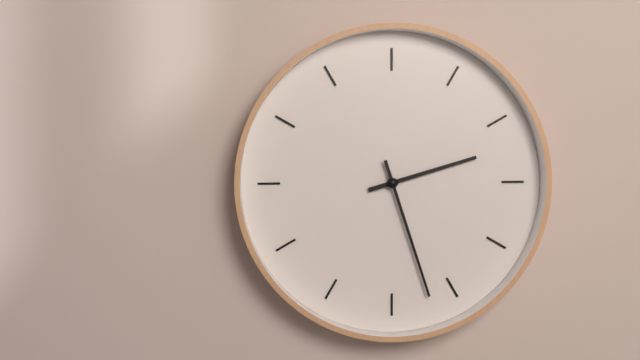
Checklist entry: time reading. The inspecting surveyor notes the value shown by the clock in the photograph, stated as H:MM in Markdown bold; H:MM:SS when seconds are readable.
**2:27**
